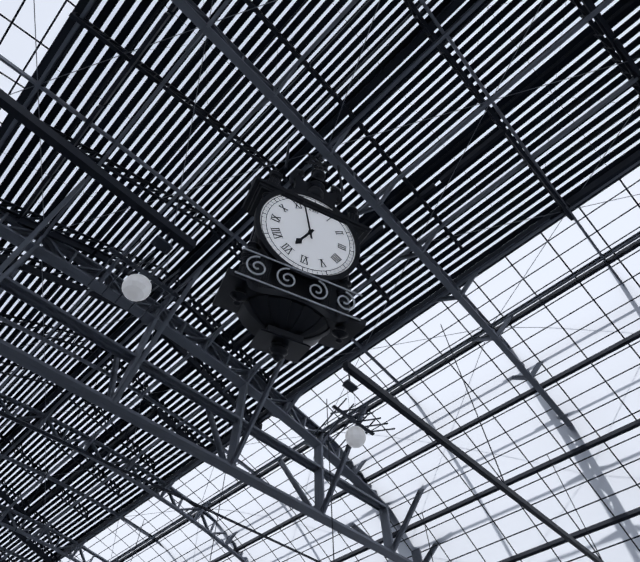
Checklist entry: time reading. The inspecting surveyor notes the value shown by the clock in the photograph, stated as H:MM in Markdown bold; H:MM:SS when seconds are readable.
**6:57**
